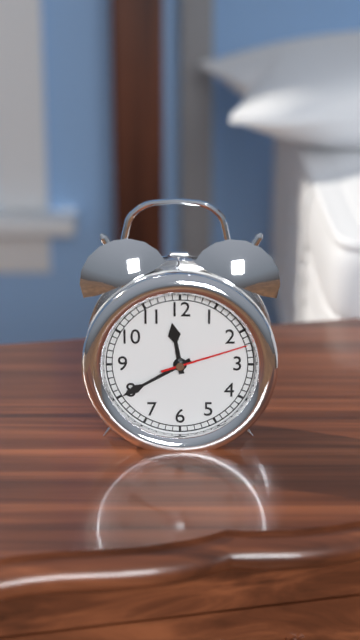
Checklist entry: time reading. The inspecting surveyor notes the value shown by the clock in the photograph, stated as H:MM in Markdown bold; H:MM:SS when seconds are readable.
**11:40:12**
